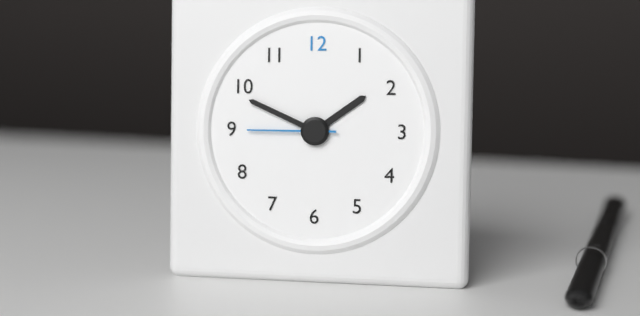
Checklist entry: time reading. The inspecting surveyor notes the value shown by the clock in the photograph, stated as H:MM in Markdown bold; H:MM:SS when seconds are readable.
**1:49:45**
